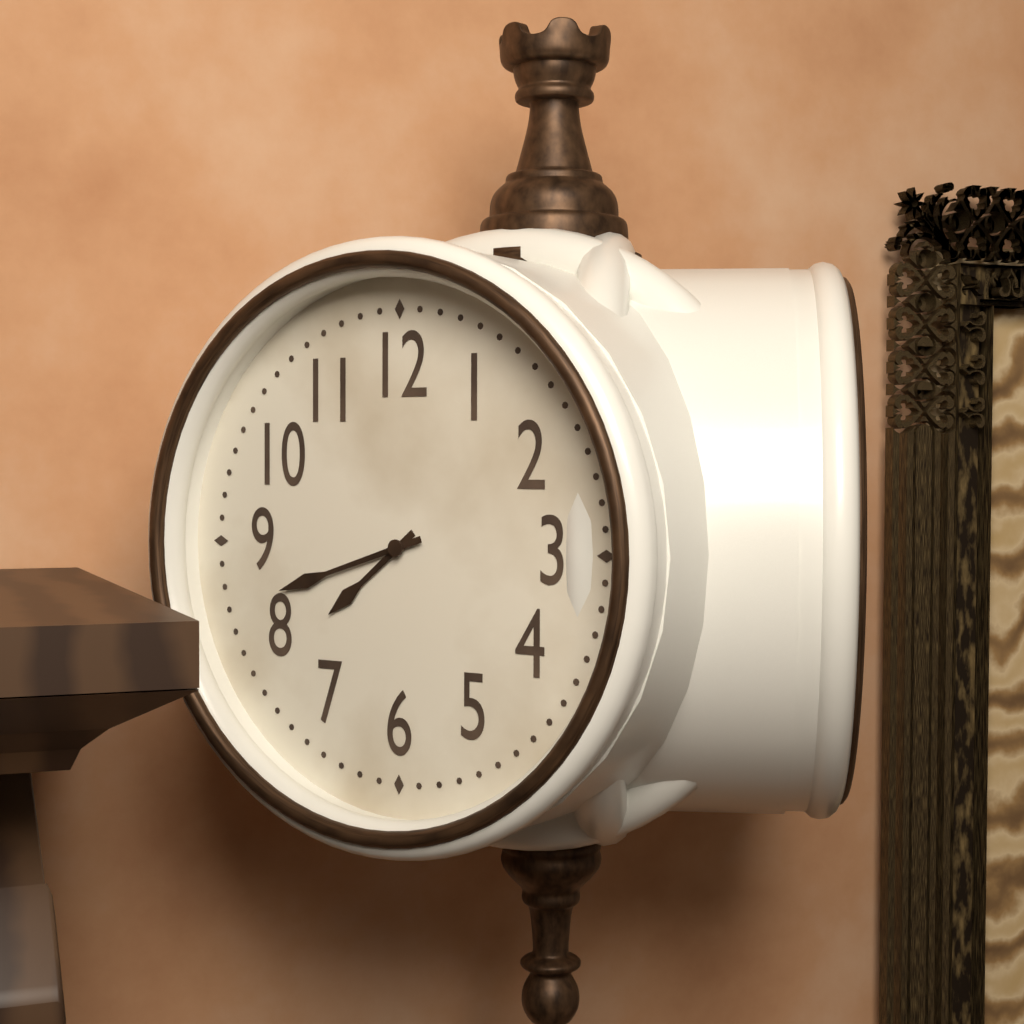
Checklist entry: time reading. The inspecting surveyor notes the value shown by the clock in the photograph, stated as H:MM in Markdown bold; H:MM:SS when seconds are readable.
**7:42**
